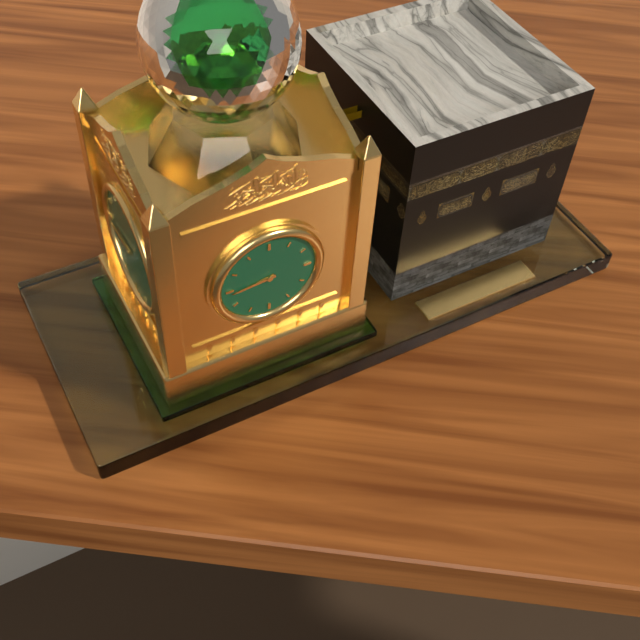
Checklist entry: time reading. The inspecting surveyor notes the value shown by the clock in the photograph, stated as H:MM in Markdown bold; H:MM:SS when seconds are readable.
**8:44**
